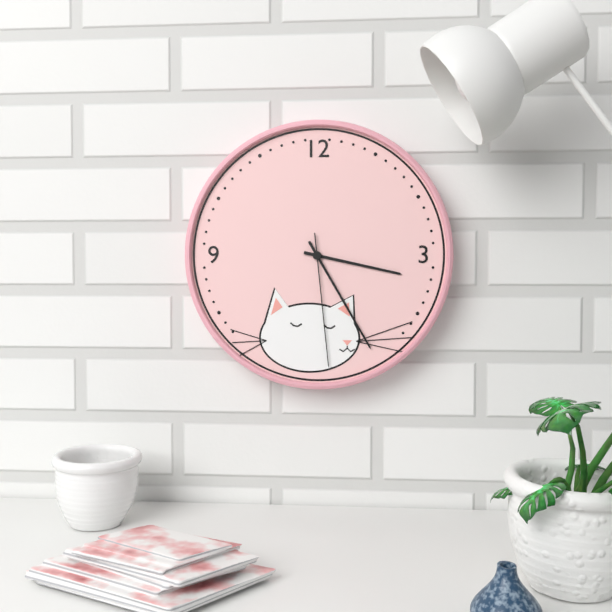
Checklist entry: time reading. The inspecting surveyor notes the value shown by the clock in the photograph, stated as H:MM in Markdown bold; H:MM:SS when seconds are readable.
**3:25:29**
